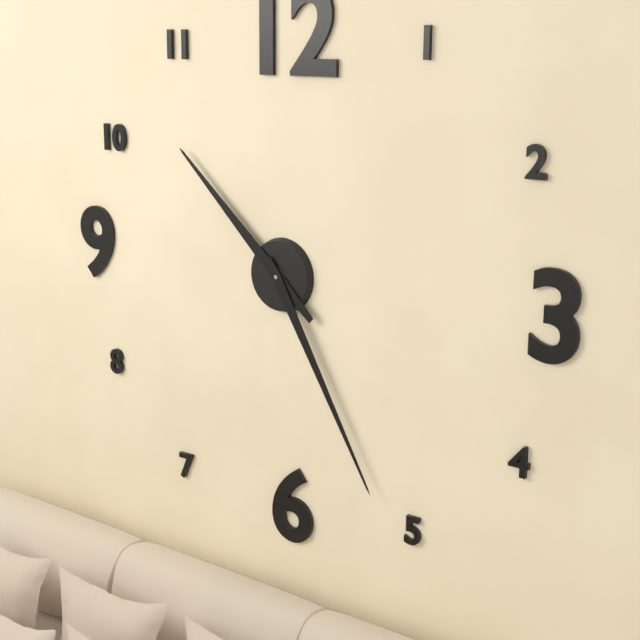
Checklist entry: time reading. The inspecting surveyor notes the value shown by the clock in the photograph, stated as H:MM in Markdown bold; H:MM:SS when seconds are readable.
**10:25**
